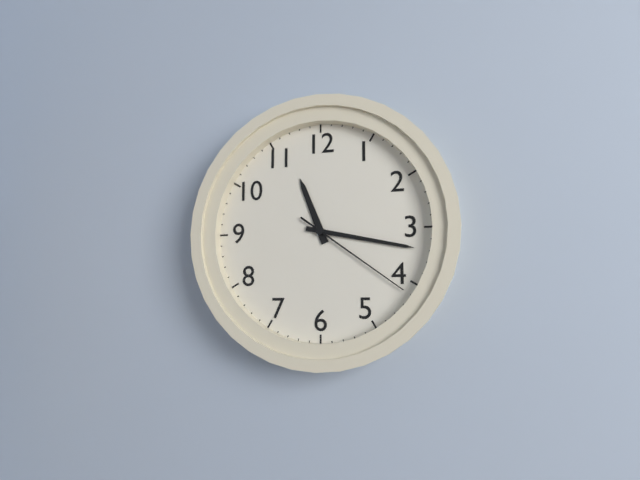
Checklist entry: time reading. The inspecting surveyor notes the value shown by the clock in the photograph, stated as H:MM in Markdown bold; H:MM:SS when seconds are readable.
**11:17:21**
